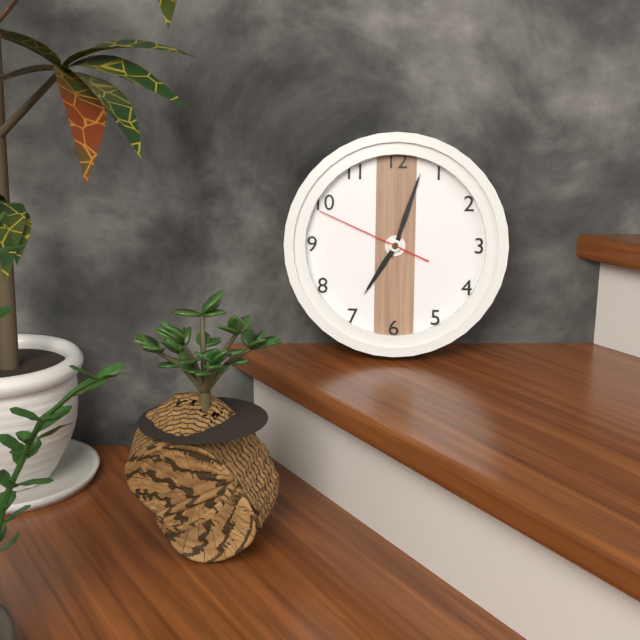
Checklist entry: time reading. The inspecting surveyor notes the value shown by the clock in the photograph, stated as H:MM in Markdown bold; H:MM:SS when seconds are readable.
**7:03:49**
